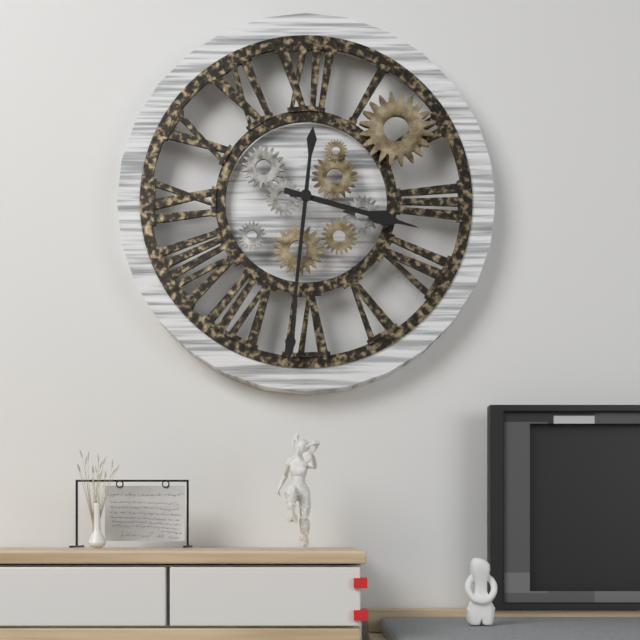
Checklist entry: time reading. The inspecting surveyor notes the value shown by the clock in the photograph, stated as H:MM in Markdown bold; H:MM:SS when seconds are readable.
**3:31**
